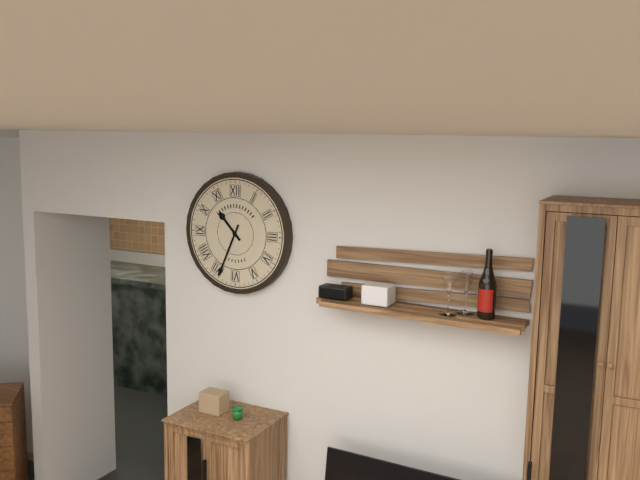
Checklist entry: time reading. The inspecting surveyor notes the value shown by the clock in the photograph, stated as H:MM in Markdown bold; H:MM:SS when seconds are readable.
**10:34**
